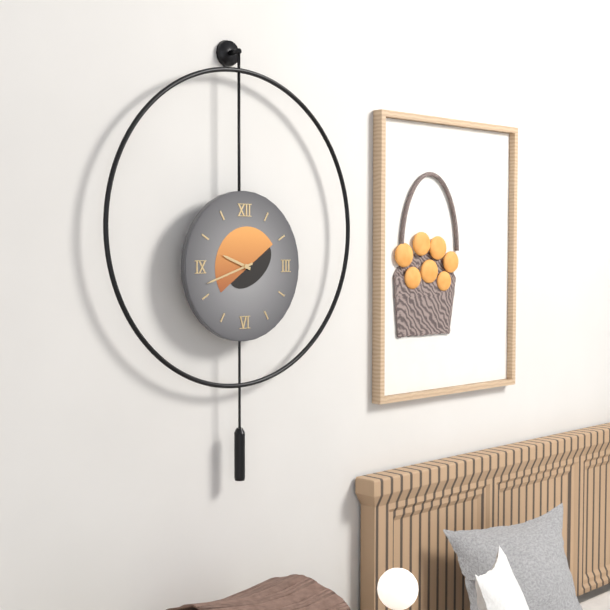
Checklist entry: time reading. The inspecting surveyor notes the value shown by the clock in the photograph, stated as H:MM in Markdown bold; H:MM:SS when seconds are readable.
**9:42**
